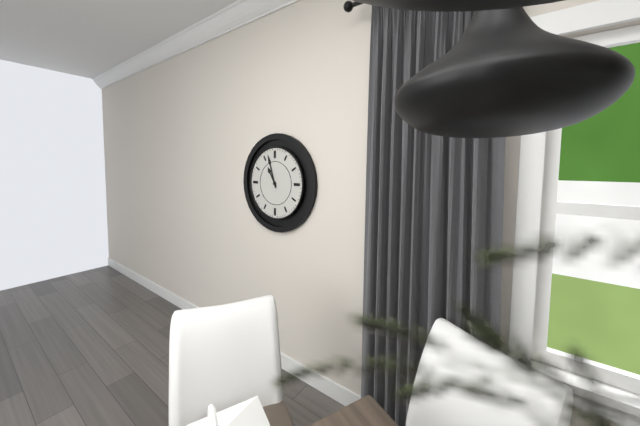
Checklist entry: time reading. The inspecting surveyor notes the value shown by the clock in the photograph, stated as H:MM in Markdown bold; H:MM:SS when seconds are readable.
**10:57**
